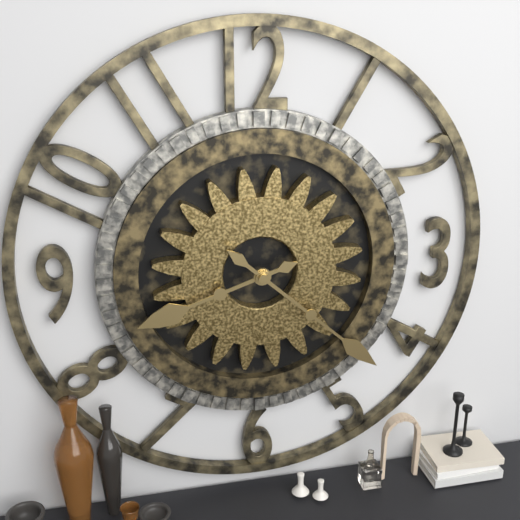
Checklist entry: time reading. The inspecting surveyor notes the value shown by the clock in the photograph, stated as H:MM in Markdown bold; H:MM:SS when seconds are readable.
**8:22**
